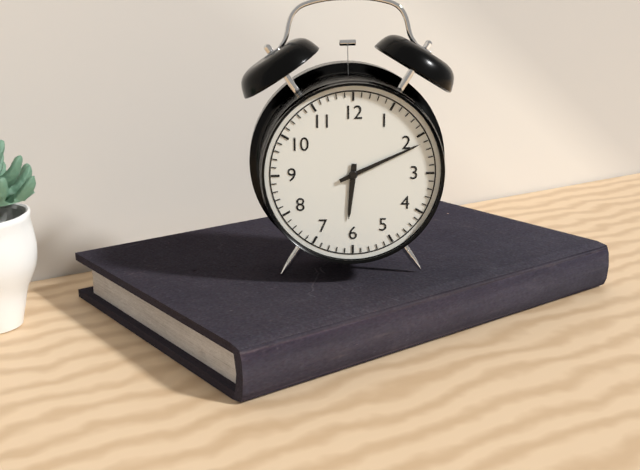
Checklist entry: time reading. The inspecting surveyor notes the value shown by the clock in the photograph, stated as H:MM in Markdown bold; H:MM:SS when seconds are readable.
**6:11**
